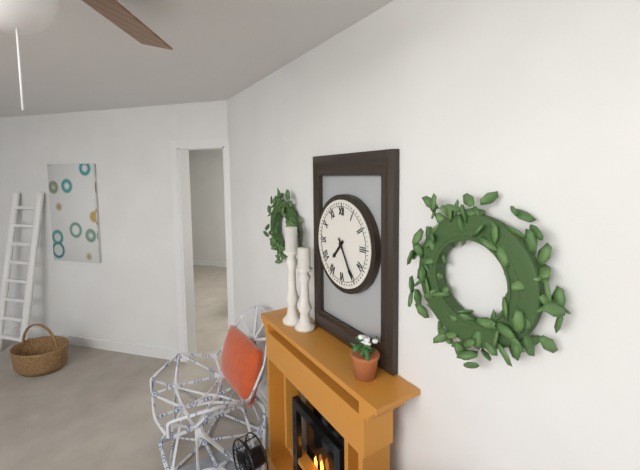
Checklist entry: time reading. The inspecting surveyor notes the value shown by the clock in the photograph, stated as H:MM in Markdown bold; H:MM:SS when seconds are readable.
**7:25**
